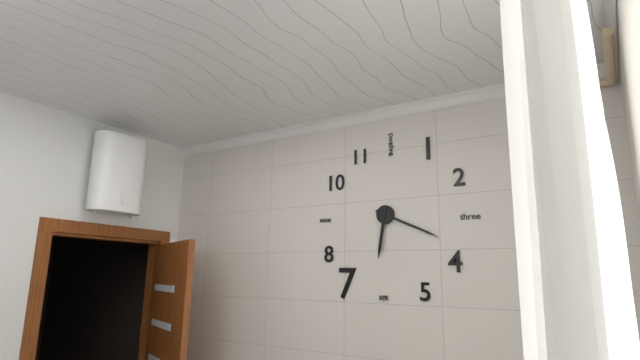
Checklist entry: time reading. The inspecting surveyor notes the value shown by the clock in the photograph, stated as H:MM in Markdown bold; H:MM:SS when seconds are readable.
**6:19**
